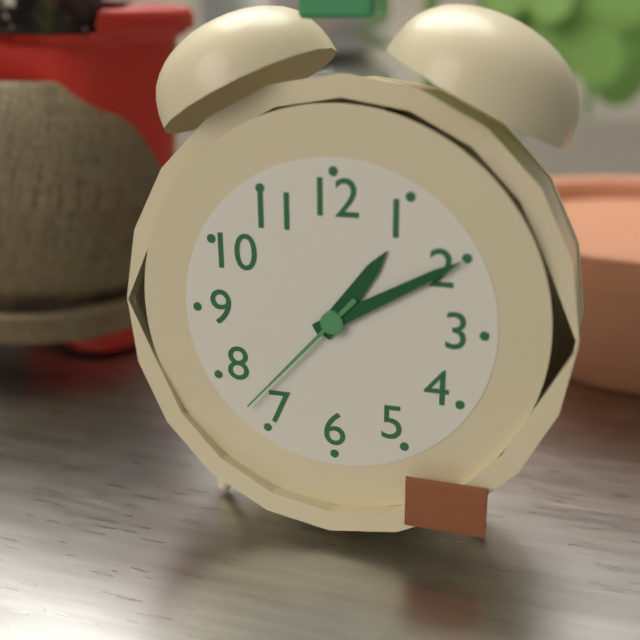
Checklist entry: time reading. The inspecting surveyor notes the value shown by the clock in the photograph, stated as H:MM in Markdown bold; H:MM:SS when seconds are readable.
**1:10:37**
